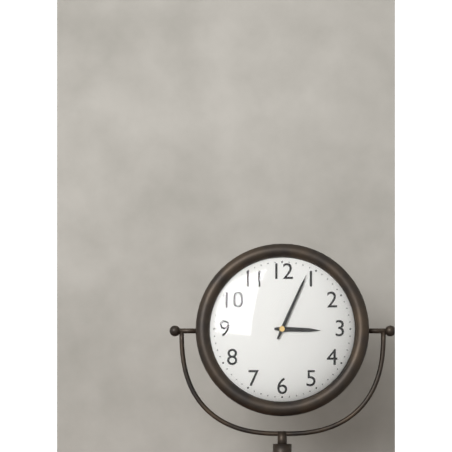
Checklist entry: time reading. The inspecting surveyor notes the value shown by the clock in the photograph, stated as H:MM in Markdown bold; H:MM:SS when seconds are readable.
**3:04**
